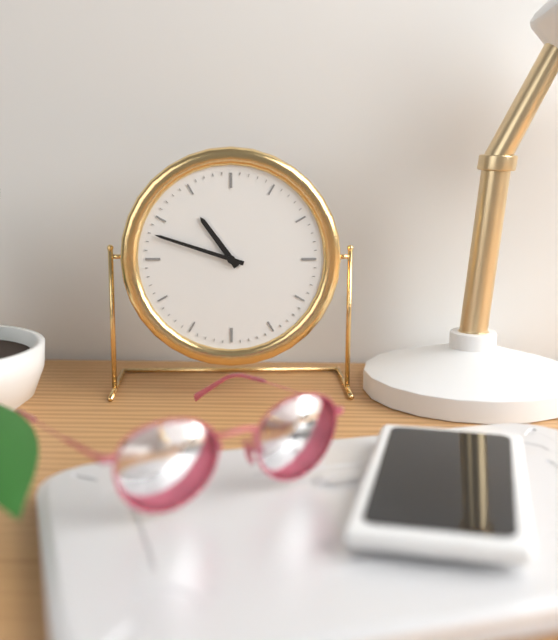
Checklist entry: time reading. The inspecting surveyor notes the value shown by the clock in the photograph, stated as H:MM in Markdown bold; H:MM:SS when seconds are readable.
**10:48**
